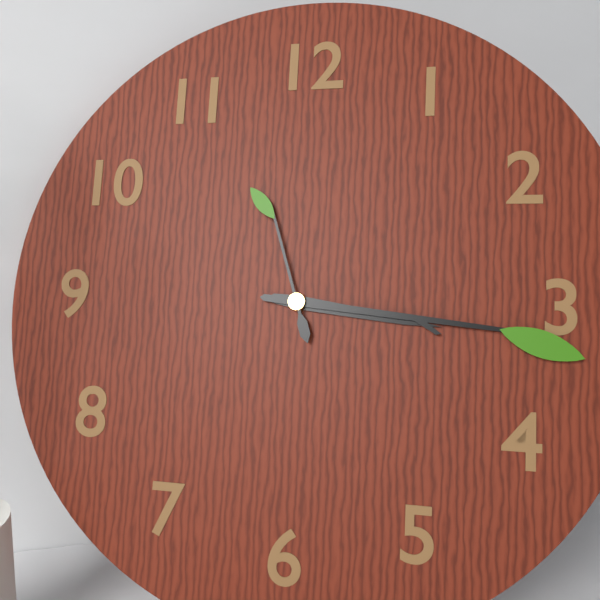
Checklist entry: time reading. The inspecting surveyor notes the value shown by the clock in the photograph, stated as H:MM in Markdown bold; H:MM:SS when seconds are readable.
**3:16:57**
